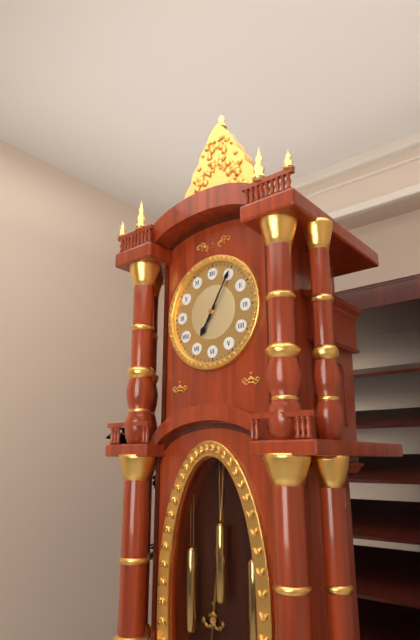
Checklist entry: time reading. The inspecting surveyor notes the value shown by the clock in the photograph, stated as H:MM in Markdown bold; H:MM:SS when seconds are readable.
**7:05**
